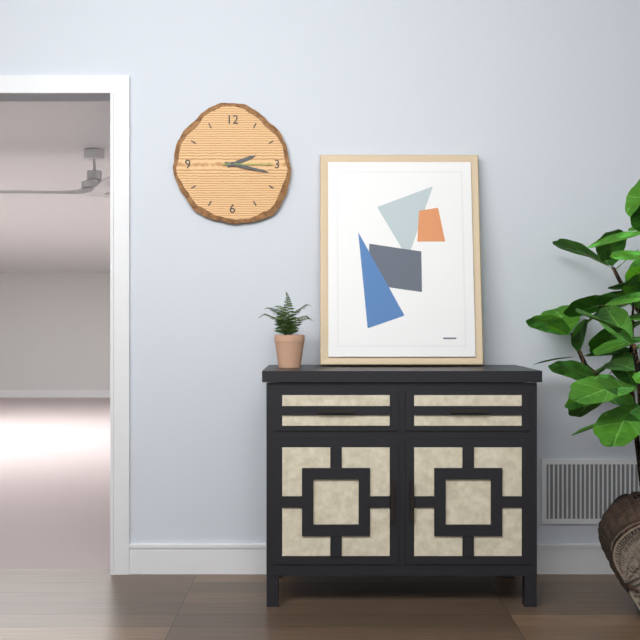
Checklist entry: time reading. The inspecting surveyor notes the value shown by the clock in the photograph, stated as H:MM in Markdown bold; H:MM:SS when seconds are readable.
**2:17**
